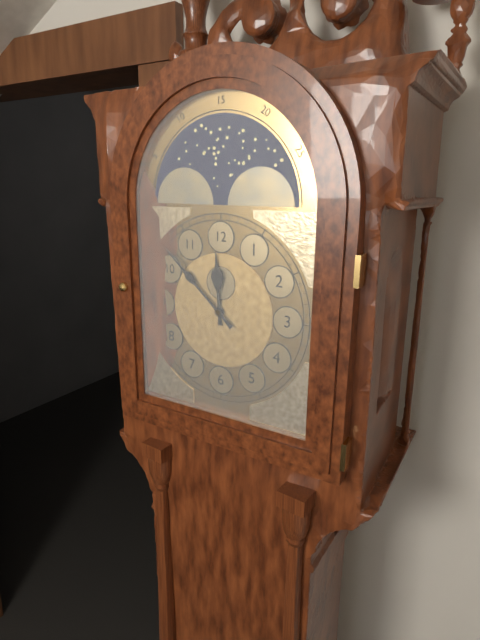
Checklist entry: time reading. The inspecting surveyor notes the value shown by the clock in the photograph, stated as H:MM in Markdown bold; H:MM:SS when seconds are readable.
**11:52**
